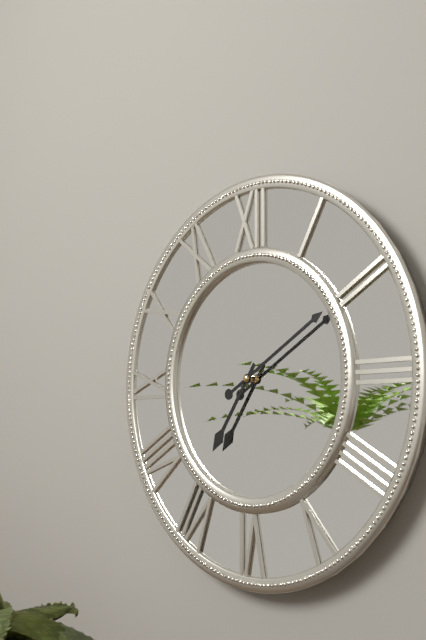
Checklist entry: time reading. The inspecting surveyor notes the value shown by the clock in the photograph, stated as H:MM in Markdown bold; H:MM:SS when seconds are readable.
**7:10**
